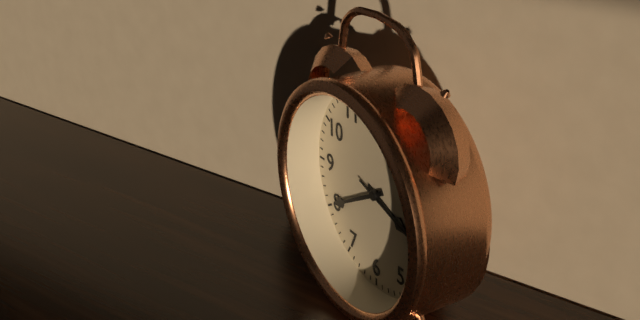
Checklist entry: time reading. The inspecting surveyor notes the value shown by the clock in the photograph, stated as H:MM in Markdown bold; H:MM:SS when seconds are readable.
**3:40**
